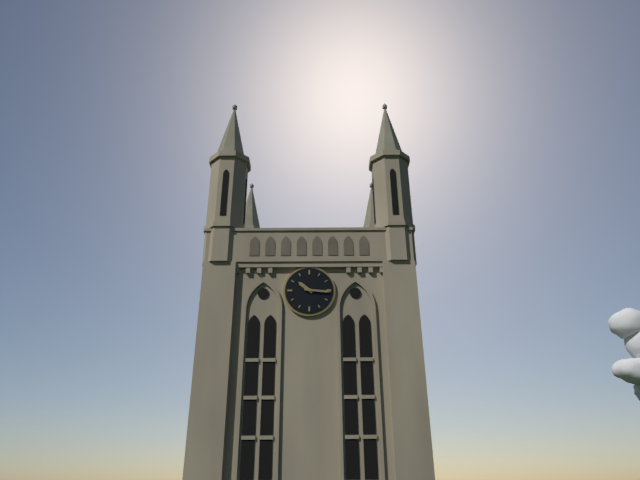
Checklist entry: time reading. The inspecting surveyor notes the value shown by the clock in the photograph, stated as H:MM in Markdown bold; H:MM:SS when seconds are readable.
**10:16**
